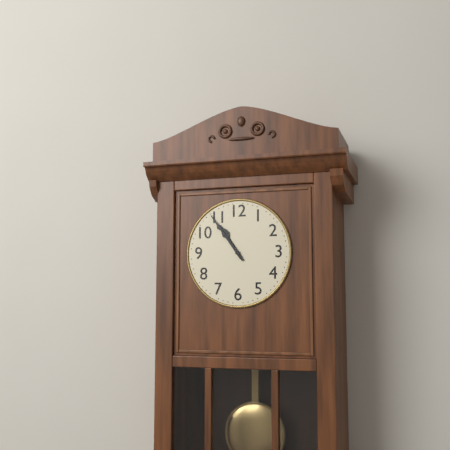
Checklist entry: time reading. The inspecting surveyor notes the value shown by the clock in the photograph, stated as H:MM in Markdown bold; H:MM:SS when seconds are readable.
**10:54**
